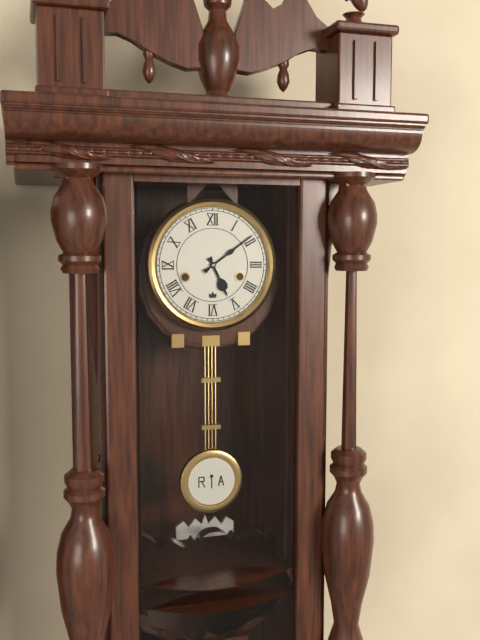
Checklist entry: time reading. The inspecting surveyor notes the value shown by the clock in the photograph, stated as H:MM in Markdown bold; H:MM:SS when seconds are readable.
**5:09**
